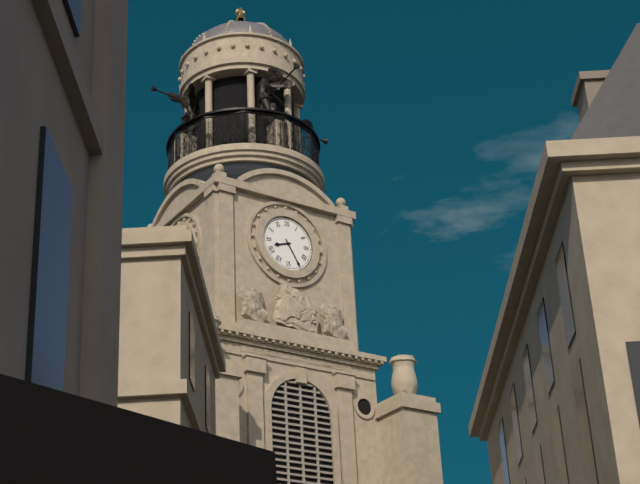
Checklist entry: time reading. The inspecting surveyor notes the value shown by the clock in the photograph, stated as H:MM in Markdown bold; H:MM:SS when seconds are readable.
**8:25**
